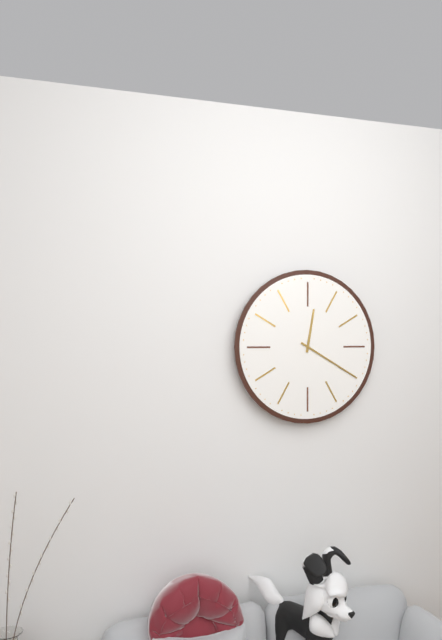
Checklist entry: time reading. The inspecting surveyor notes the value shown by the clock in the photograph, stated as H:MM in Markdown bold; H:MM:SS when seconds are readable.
**12:20**
